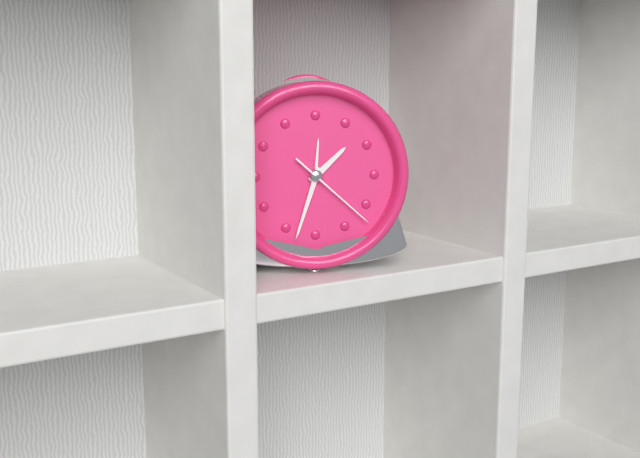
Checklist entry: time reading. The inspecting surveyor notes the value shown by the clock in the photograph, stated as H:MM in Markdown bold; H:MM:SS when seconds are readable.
**1:33:22**
